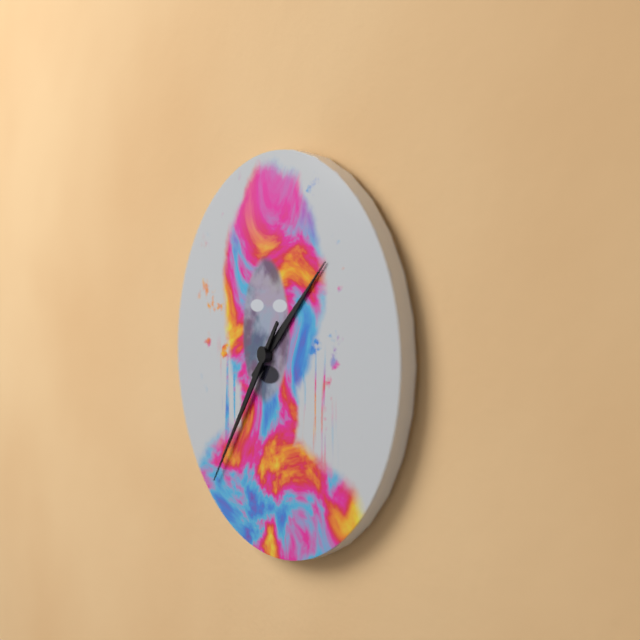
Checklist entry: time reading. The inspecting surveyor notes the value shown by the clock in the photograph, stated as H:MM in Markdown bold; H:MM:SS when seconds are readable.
**1:36**
